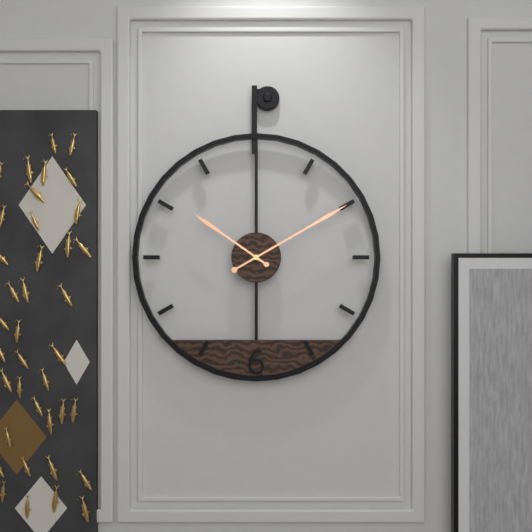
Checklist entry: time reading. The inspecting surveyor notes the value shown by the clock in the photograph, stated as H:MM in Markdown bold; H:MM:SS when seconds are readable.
**10:10**
